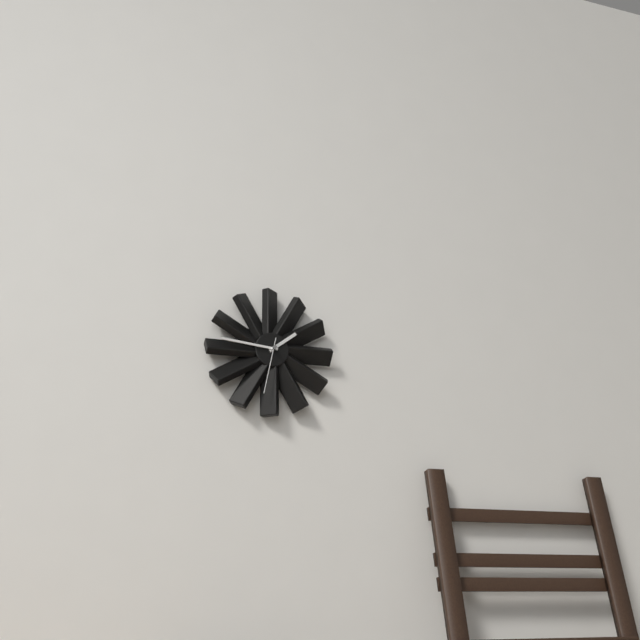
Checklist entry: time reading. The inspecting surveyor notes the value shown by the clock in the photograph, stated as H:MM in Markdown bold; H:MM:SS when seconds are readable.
**1:46:32**
